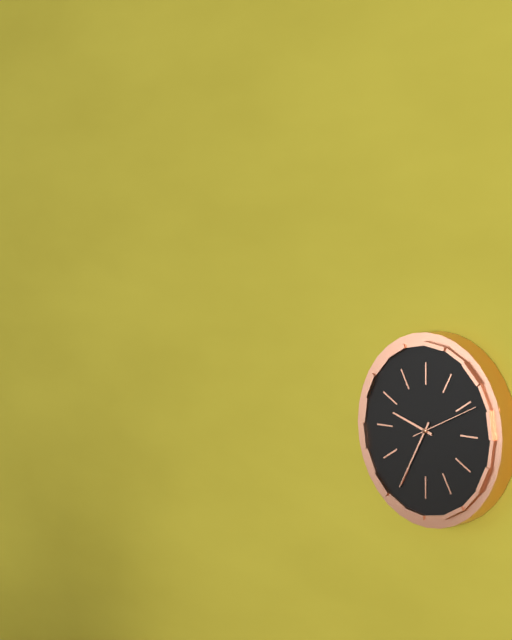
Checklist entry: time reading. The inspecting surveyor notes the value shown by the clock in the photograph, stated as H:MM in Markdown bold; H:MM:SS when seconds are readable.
**9:35:11**
